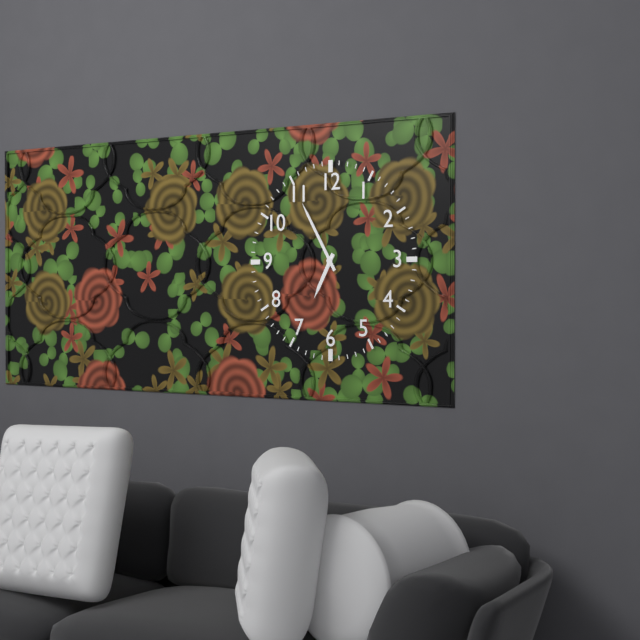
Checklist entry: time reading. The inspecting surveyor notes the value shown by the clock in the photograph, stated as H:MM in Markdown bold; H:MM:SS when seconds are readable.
**6:55**
